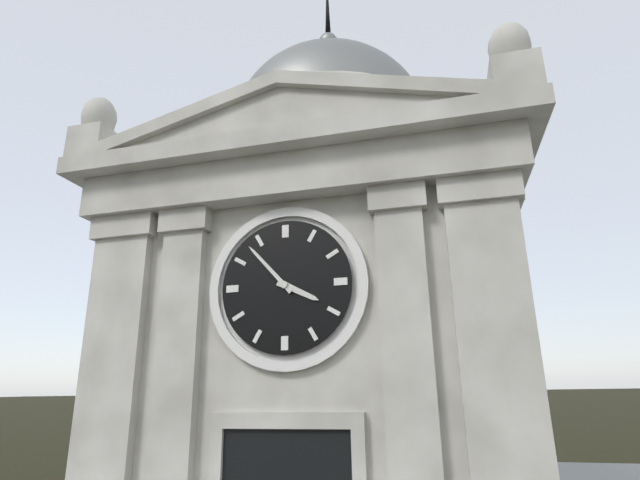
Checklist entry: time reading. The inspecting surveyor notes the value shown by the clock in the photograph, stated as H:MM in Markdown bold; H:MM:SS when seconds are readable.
**3:53**
